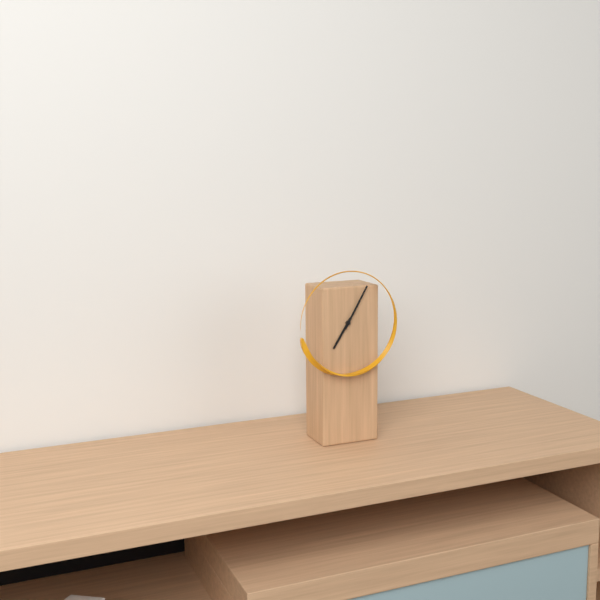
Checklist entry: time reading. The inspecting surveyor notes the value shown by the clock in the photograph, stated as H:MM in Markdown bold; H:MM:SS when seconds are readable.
**7:05**
